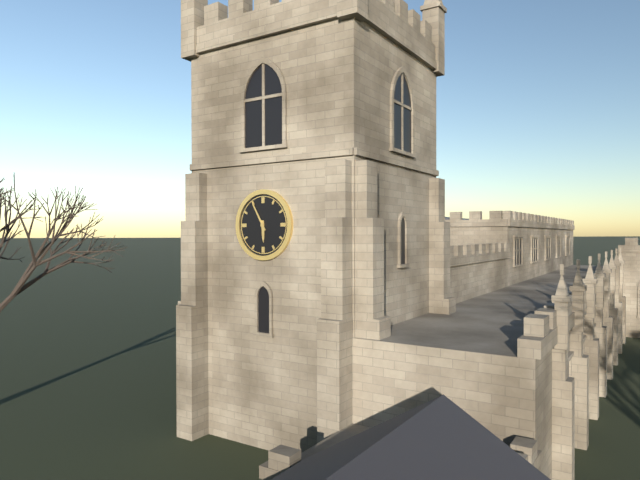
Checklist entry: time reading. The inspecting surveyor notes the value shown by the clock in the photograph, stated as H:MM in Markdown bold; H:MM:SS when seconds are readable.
**5:55**
